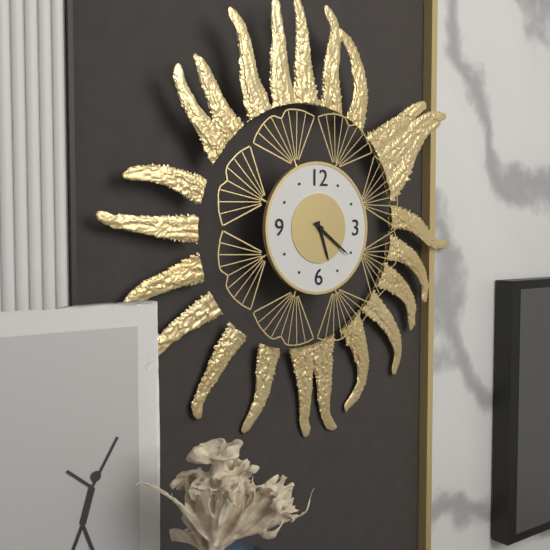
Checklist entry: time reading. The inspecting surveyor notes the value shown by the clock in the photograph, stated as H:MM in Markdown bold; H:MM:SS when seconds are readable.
**5:21**
